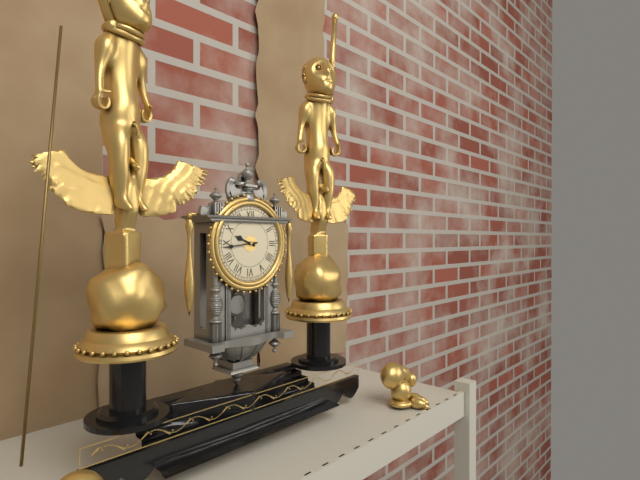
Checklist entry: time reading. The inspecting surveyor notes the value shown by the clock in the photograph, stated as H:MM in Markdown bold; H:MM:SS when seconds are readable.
**9:44**
